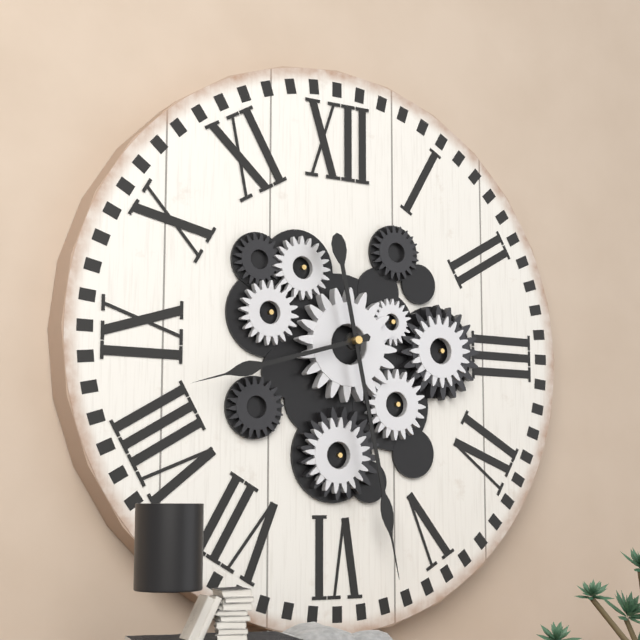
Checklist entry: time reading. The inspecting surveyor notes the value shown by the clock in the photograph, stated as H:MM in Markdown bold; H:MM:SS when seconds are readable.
**8:28**
